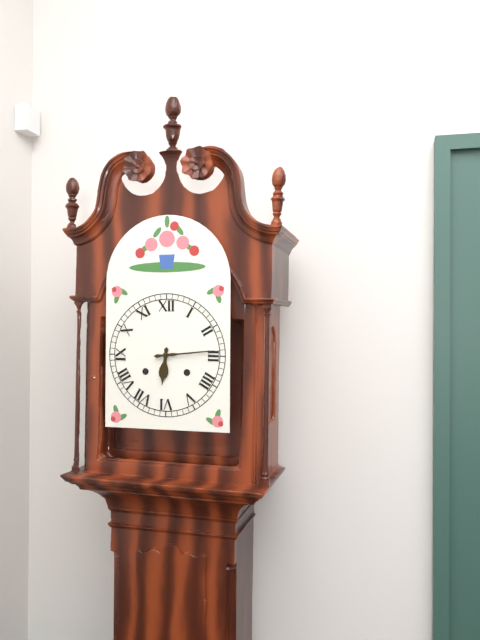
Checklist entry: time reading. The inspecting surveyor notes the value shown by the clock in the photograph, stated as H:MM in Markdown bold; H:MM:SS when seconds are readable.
**6:14**
